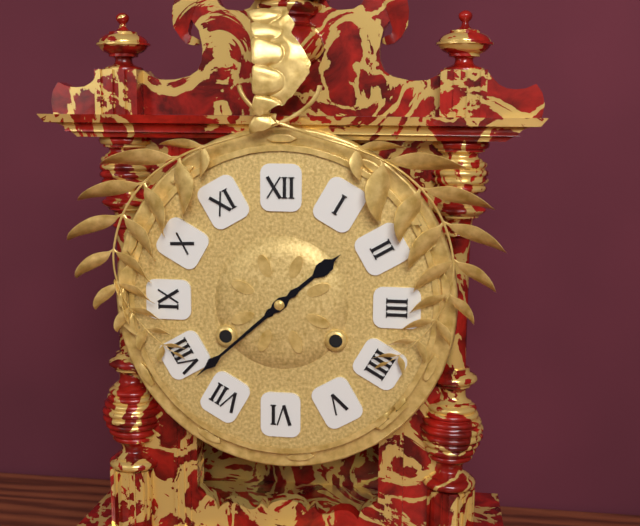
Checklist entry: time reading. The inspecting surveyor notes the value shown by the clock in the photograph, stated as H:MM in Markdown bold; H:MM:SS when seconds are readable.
**1:38**
